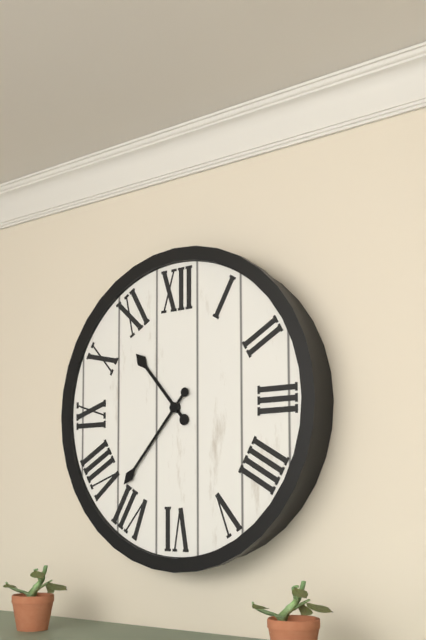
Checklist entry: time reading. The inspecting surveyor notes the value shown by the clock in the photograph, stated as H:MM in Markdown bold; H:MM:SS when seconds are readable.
**10:37**
